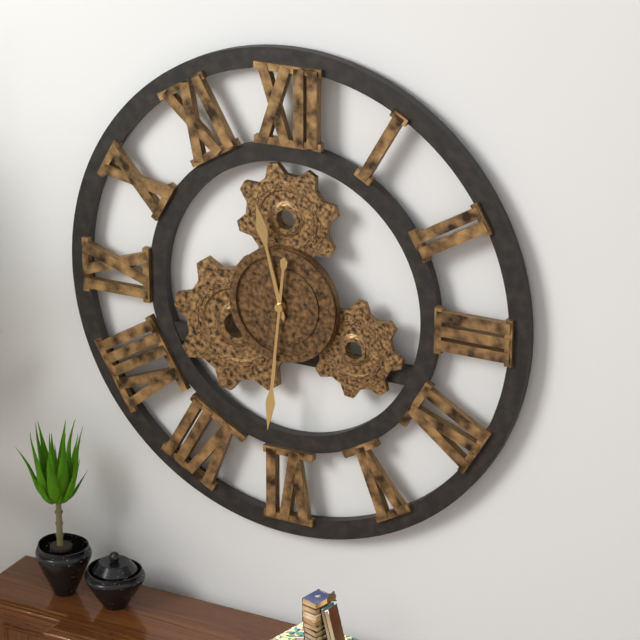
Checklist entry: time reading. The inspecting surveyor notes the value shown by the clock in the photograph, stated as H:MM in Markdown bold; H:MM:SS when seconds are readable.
**11:31**
